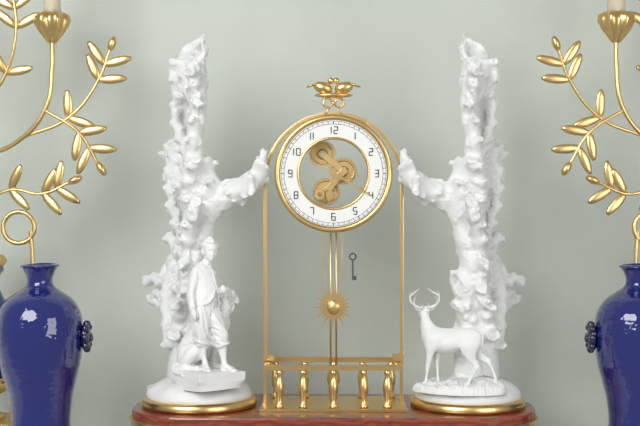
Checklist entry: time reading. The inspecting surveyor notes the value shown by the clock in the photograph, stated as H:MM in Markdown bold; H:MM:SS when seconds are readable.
**6:20**
